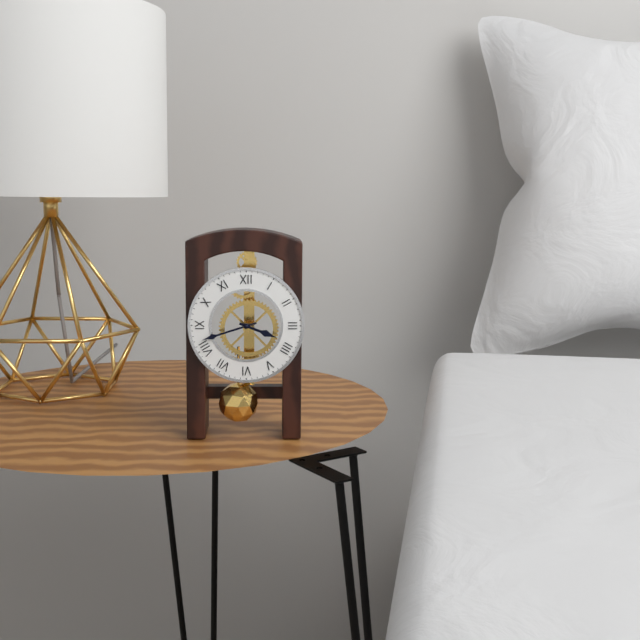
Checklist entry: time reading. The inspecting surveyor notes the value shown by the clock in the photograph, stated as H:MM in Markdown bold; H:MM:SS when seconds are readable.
**3:42**
